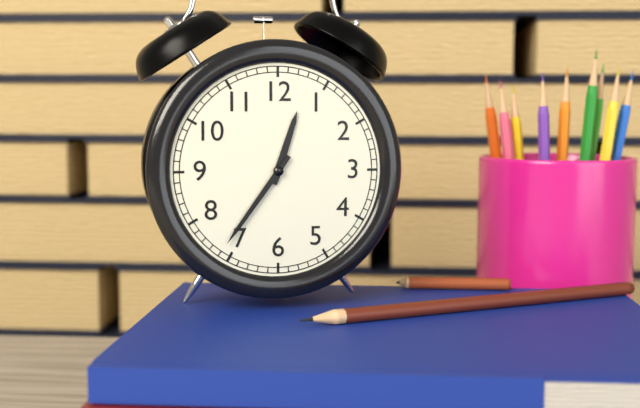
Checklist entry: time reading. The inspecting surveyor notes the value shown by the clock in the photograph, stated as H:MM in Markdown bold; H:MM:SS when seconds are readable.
**12:36**
